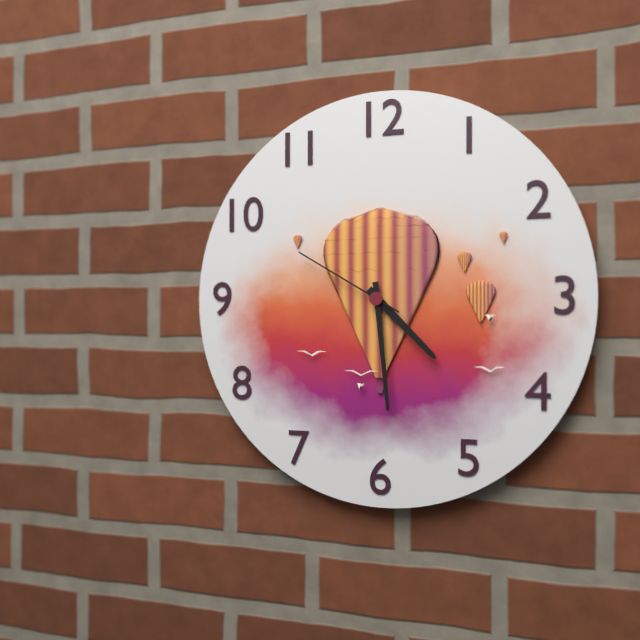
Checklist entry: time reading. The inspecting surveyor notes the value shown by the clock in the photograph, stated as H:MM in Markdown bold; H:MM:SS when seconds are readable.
**4:29:50**
